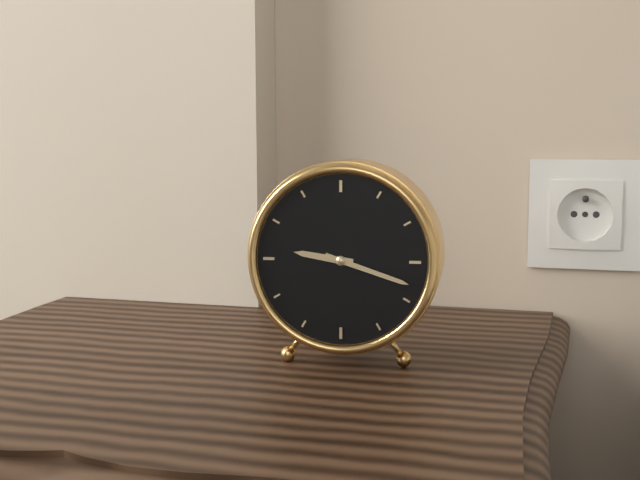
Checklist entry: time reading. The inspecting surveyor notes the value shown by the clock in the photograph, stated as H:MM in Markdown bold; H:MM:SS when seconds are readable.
**9:18**
